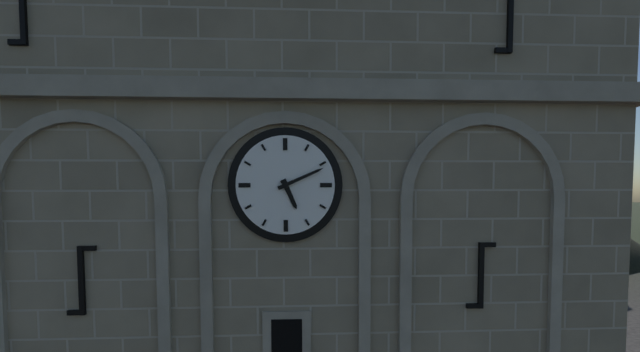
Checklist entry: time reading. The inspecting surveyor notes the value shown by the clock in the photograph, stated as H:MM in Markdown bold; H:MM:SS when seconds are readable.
**5:11**
